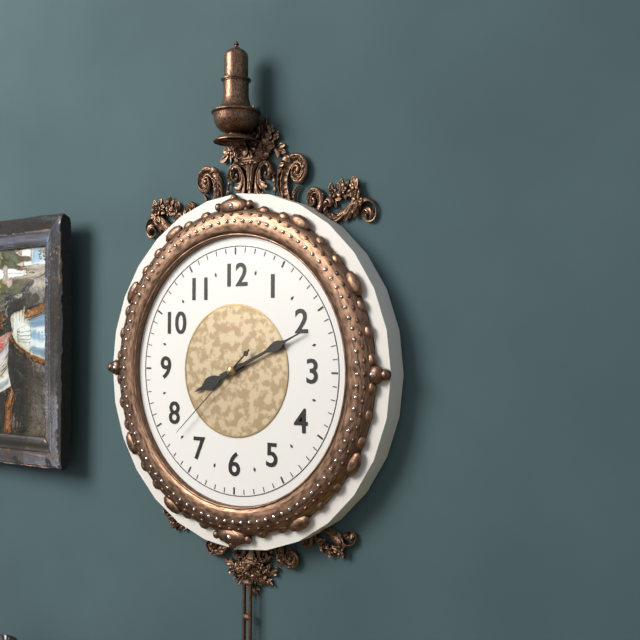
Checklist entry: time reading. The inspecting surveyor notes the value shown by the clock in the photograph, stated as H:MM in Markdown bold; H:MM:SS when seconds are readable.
**8:11:38**
